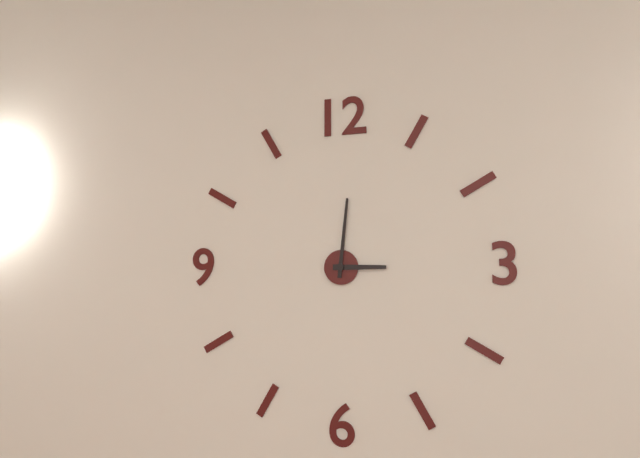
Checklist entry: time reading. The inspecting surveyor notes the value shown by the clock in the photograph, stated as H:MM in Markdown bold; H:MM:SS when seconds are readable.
**3:01**
